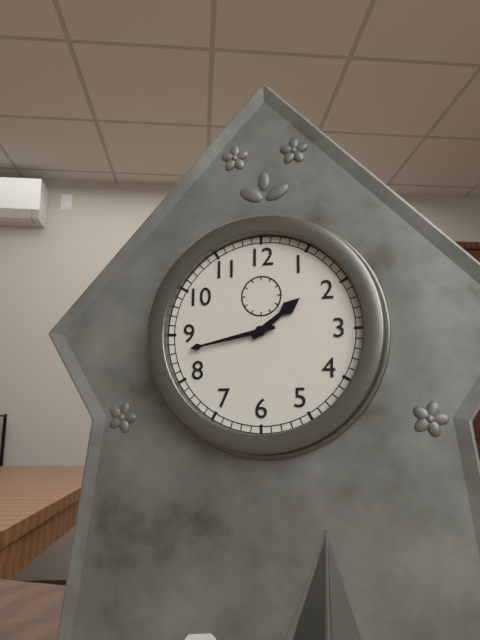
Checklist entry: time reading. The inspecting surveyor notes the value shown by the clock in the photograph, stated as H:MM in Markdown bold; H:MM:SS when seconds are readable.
**1:43**
